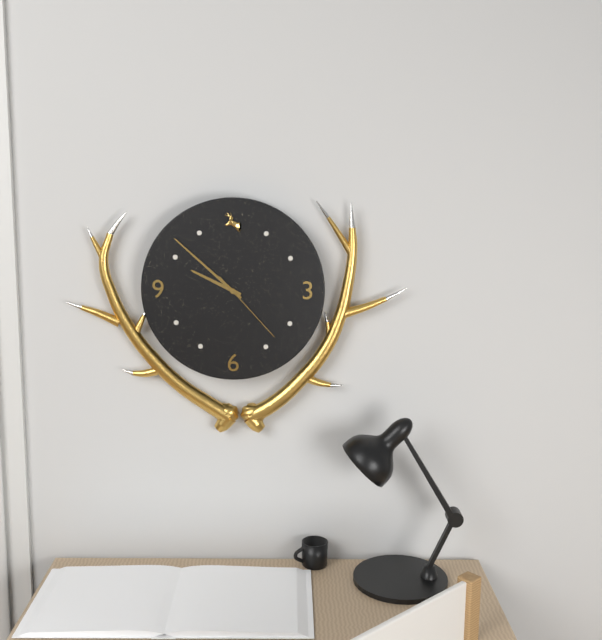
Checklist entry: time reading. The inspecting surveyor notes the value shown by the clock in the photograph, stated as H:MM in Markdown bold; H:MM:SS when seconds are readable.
**9:52:23**
